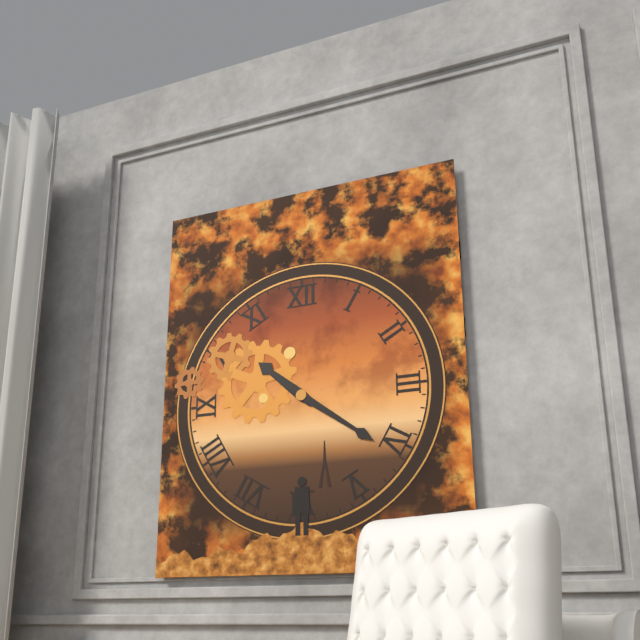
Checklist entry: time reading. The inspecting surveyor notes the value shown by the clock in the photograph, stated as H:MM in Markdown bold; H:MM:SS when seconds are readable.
**10:21**
